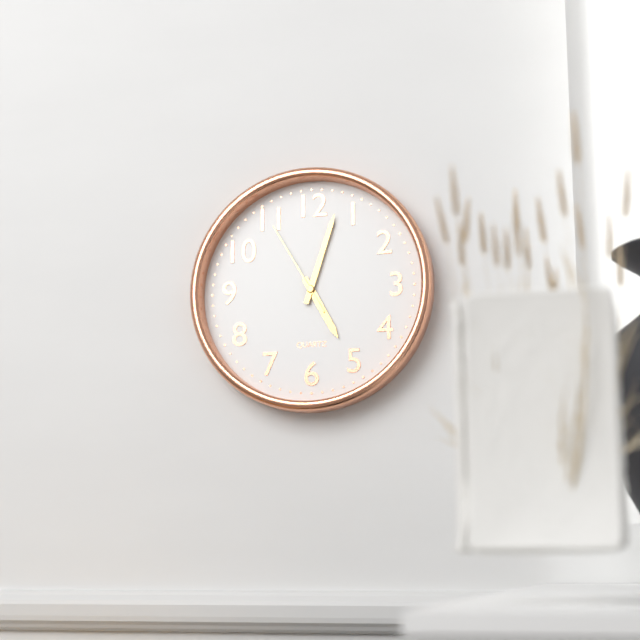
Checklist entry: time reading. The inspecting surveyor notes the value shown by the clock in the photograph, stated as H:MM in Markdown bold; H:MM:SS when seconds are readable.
**5:03:55**
